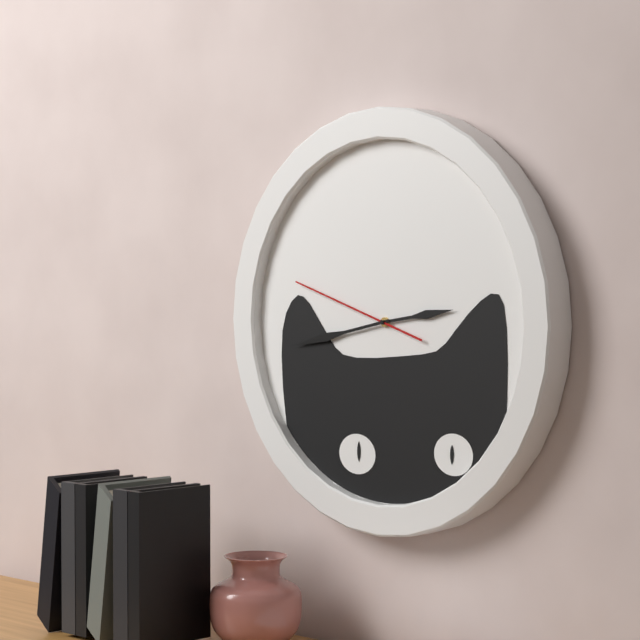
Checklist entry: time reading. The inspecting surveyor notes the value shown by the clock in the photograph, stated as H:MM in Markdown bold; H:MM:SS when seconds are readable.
**2:43:48**
